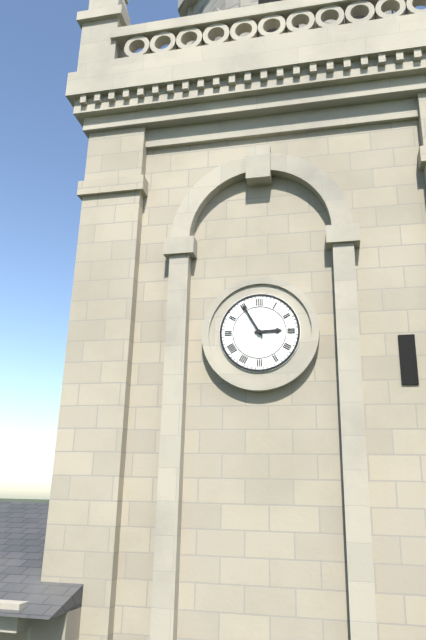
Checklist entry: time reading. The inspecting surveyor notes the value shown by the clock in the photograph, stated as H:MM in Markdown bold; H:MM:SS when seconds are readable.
**2:55**
